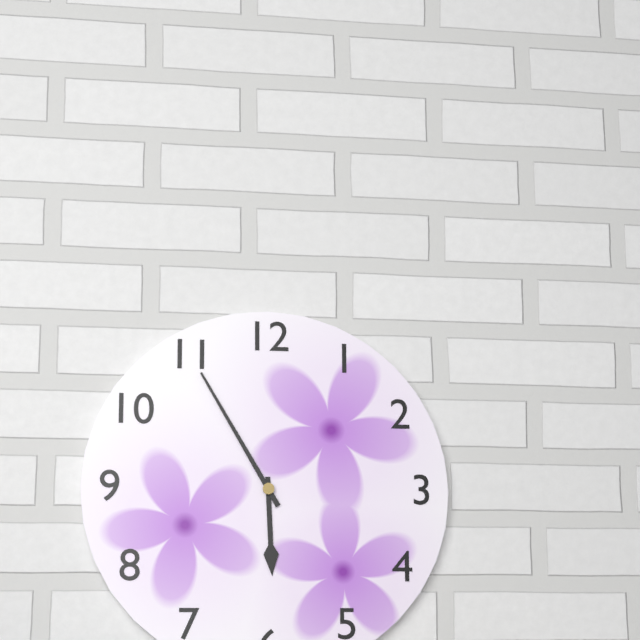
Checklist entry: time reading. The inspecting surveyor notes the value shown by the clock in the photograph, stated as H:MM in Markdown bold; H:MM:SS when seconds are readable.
**5:55**
